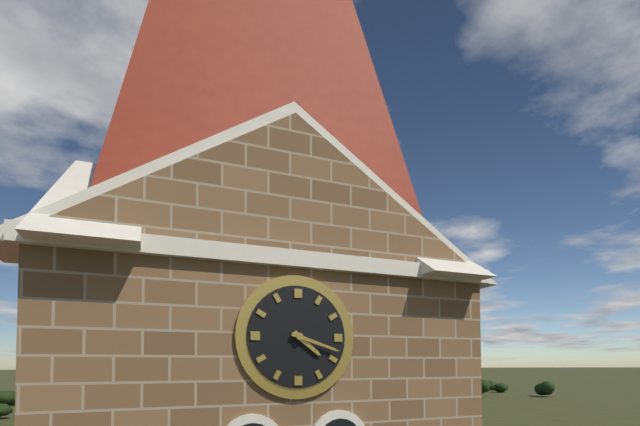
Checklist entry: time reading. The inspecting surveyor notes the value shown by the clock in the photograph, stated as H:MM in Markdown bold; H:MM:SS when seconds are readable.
**4:18**
